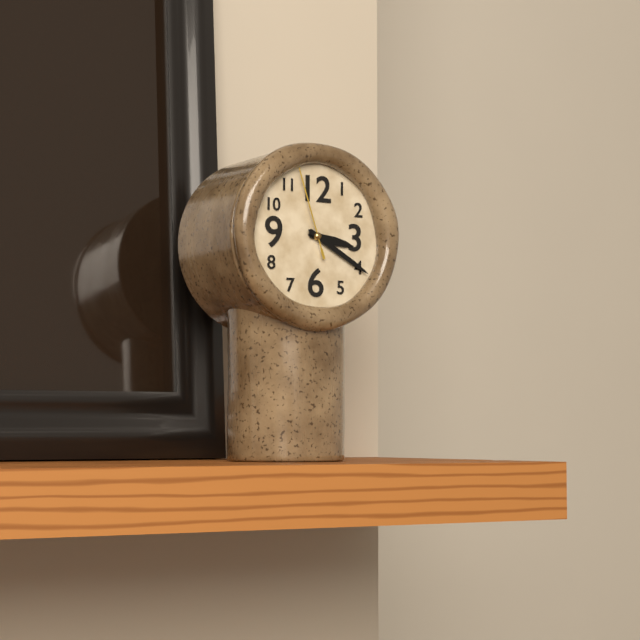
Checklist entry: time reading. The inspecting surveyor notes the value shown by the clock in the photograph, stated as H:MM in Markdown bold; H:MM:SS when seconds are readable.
**3:20:57**
